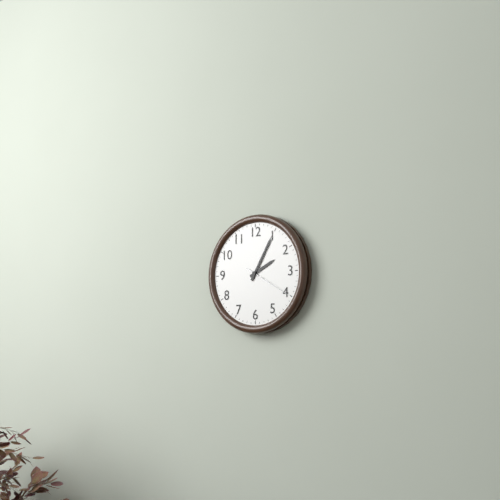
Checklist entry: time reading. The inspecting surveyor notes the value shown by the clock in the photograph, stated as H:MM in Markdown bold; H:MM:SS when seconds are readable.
**2:05**
